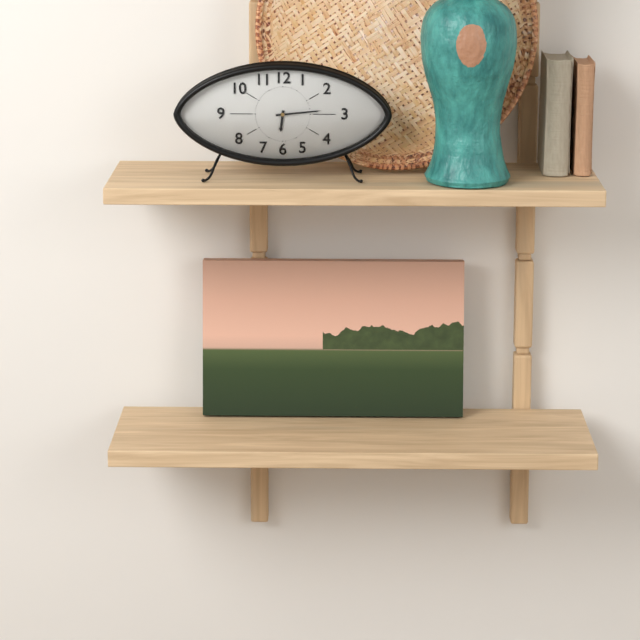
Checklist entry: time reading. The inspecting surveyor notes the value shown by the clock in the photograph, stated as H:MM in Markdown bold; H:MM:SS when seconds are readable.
**6:14**
